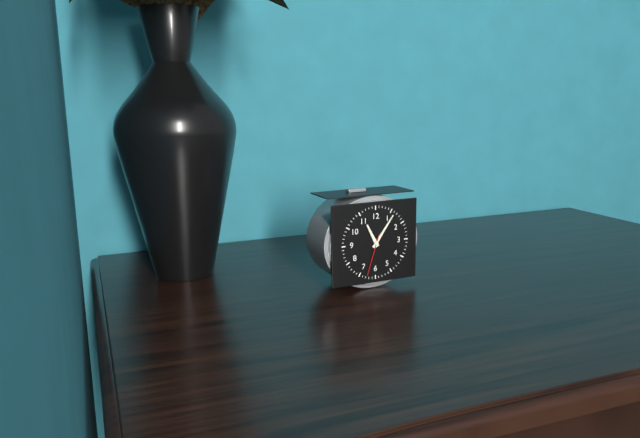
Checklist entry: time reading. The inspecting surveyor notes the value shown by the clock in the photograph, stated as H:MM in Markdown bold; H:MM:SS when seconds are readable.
**11:06**
